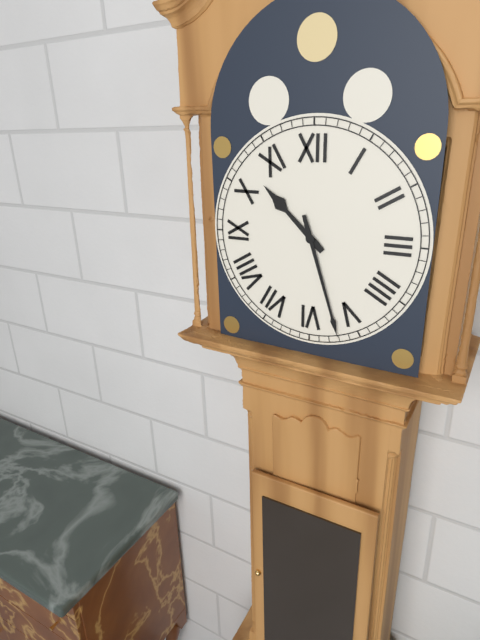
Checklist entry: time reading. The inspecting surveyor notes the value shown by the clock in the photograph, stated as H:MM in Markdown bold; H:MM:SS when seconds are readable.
**10:27**
